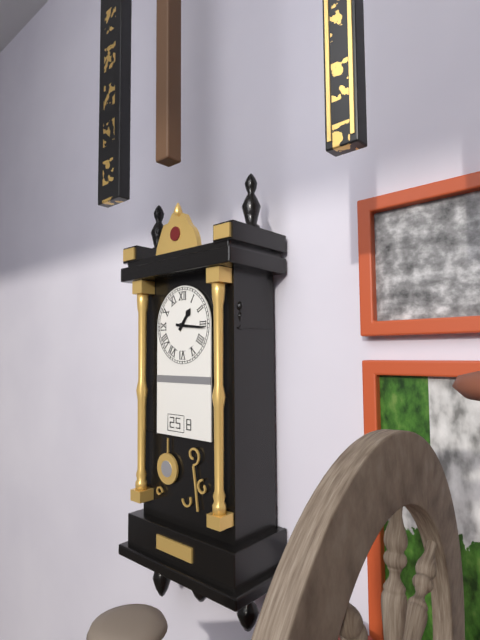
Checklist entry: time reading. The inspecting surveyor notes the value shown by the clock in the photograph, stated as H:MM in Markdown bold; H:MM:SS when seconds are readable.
**1:16**
